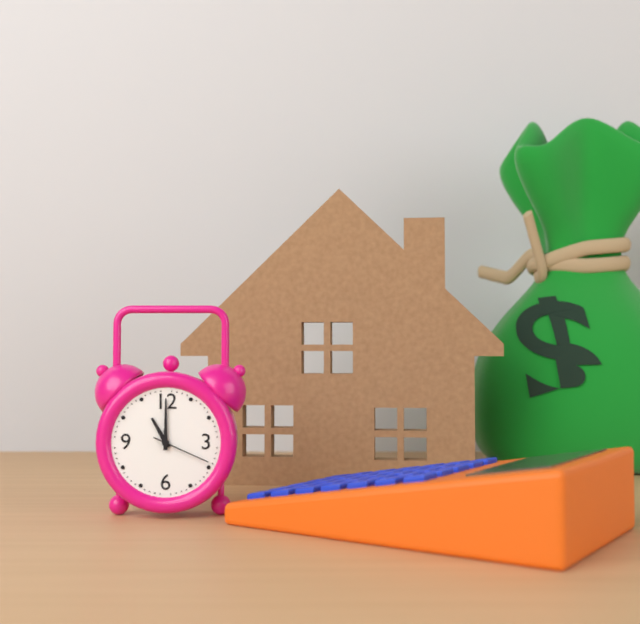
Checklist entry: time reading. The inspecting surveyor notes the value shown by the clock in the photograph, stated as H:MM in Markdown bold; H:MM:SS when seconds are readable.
**11:00:19**
